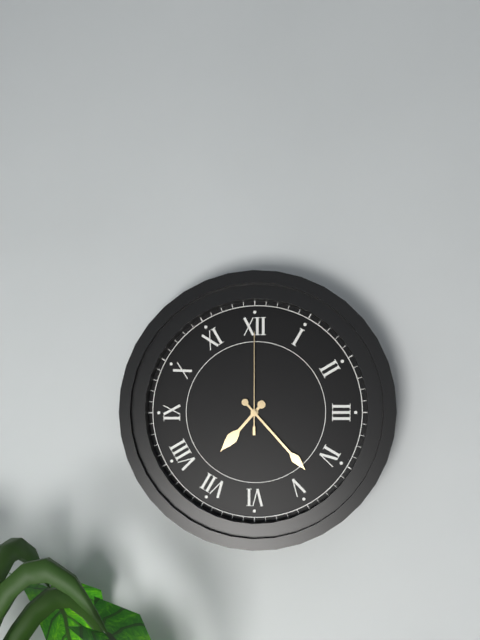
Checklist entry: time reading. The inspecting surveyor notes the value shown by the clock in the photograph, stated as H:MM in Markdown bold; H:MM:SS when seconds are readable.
**7:23:00**
